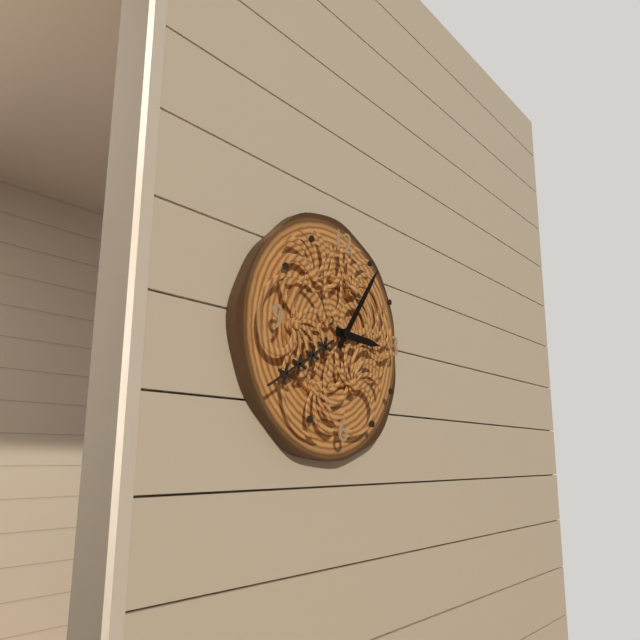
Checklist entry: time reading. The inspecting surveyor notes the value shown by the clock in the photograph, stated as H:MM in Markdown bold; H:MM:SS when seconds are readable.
**3:06**
